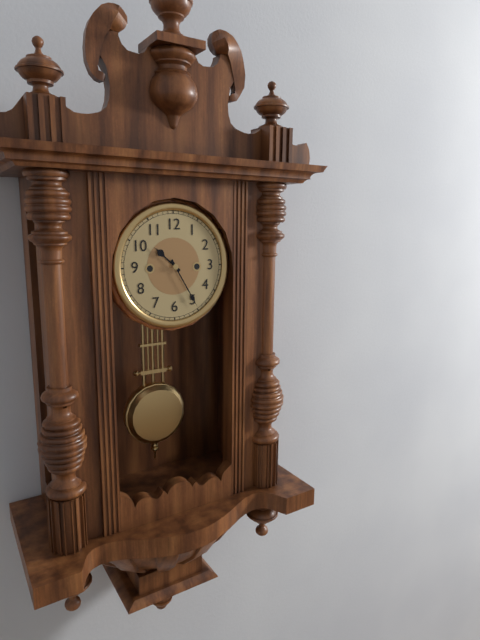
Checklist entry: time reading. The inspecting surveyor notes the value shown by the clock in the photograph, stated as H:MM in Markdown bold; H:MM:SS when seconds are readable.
**10:25**
